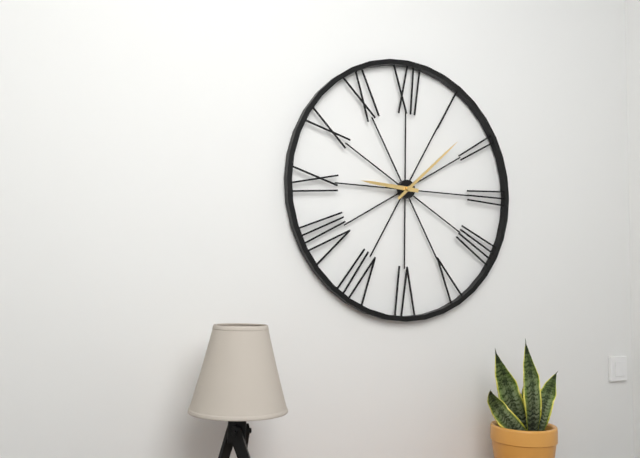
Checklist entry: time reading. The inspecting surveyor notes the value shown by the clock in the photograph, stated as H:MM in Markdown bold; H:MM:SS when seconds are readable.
**9:08**
